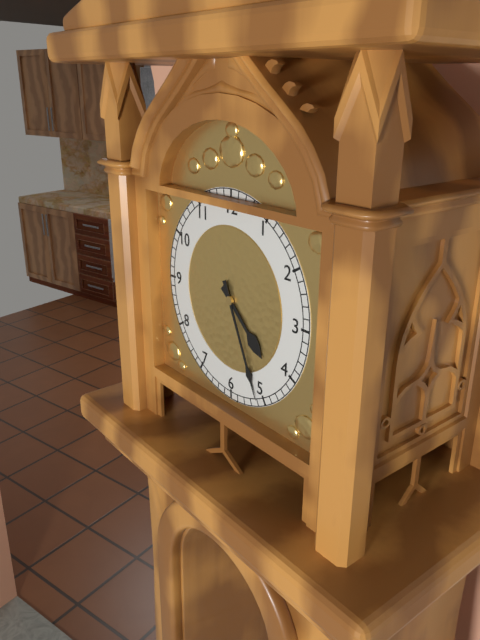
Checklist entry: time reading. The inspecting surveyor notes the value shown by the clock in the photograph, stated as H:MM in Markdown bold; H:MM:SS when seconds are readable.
**4:26**
